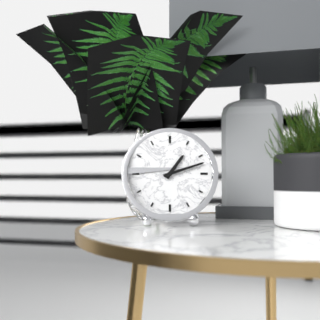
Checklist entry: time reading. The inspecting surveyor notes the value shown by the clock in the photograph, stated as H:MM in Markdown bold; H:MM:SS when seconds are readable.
**1:12**
